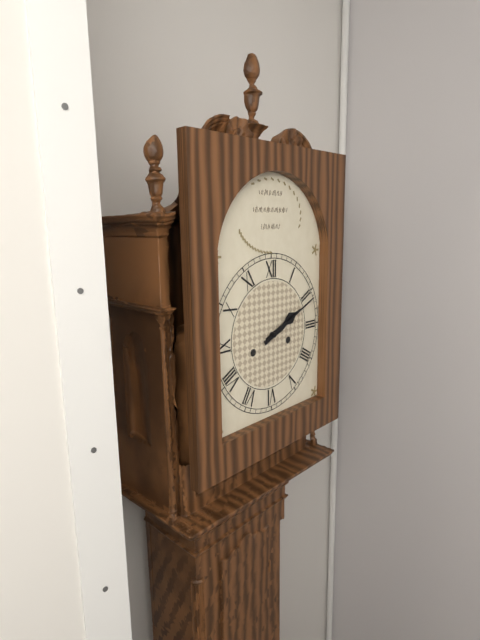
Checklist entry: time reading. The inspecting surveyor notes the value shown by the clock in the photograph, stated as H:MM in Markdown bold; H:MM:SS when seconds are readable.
**2:11**
